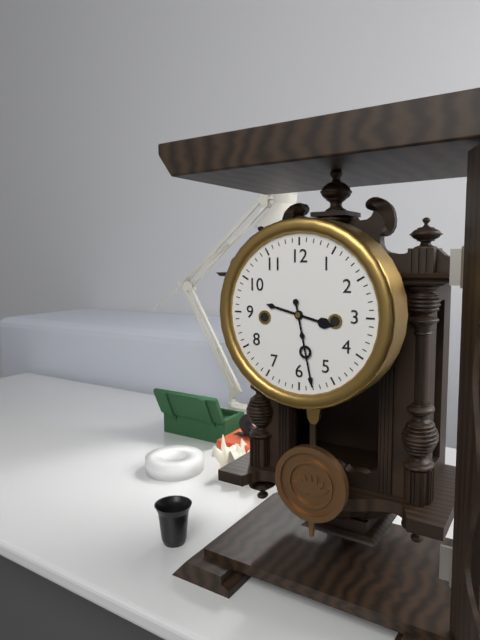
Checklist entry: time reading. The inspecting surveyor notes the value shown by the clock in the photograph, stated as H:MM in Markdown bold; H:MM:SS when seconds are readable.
**3:28**
